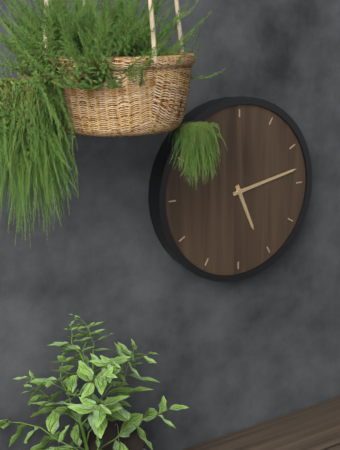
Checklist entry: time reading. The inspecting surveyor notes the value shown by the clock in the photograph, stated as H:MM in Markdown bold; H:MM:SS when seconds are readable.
**5:13**
